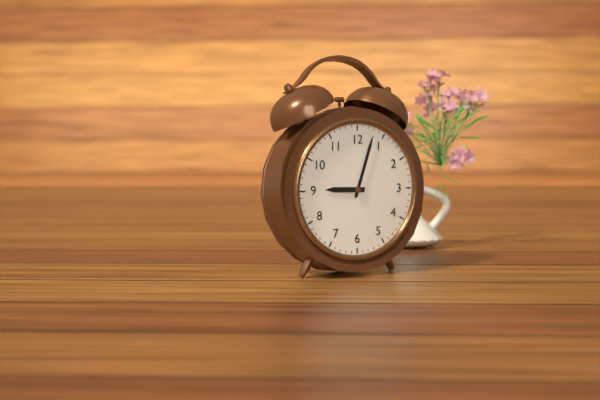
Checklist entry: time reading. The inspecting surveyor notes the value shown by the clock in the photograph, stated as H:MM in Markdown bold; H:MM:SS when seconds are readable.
**9:03**
